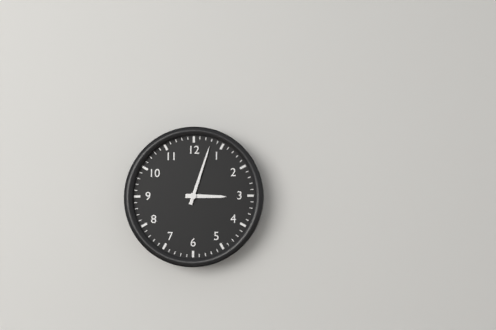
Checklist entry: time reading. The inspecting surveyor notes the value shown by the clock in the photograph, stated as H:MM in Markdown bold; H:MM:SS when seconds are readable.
**3:03**
